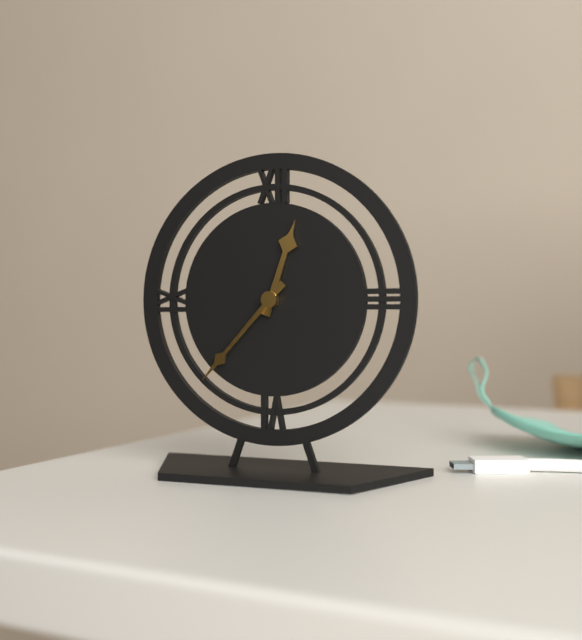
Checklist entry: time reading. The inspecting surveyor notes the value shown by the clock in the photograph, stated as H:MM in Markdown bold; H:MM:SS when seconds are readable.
**12:37**
